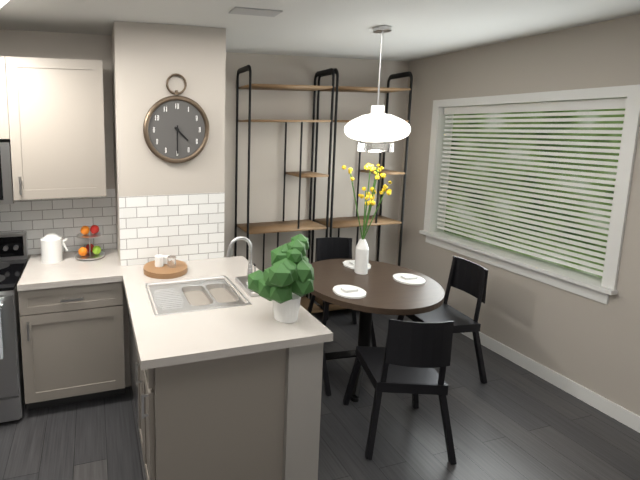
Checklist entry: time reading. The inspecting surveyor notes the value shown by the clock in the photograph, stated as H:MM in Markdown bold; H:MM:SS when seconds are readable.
**4:30**
